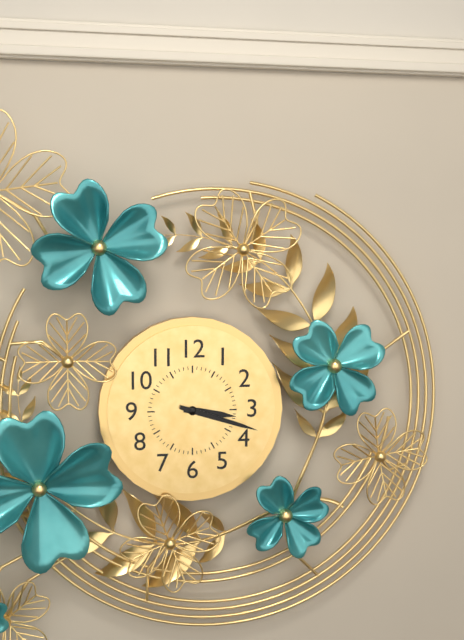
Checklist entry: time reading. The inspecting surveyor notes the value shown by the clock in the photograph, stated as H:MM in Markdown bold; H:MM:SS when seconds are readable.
**3:18**
